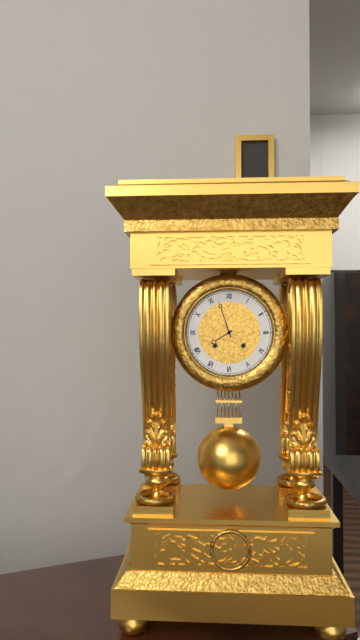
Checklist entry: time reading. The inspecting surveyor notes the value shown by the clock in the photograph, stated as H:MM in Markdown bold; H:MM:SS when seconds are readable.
**7:57**
